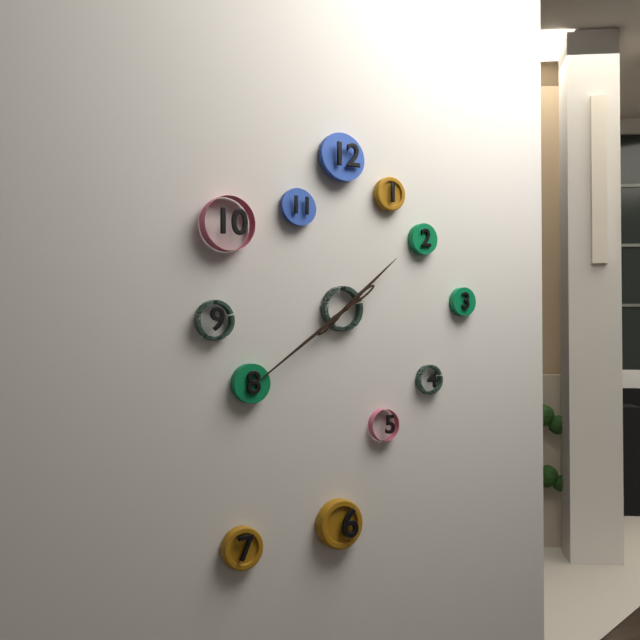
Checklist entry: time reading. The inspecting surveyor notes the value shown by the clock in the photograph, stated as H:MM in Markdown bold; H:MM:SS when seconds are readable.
**1:39**
